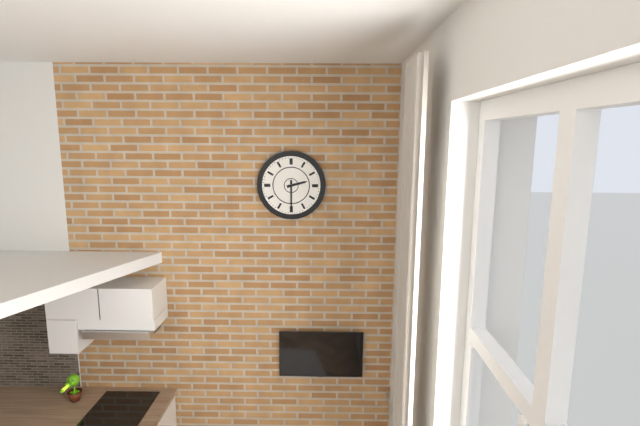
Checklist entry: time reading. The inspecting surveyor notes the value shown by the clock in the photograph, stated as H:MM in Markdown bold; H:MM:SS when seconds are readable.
**2:30**
